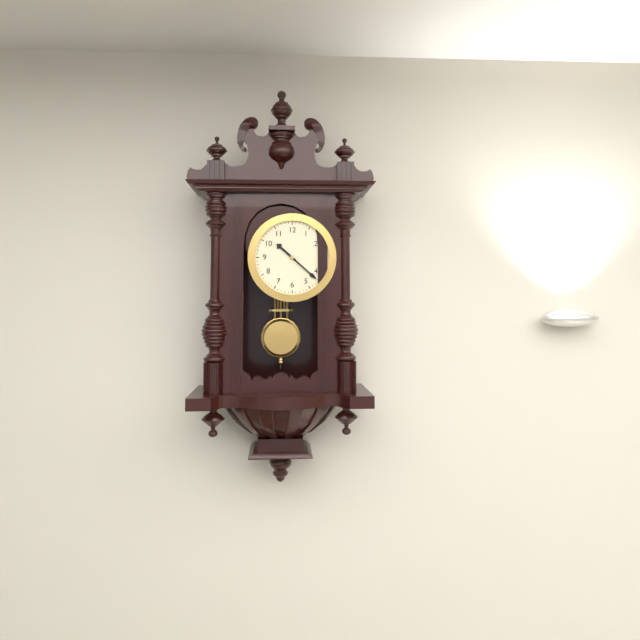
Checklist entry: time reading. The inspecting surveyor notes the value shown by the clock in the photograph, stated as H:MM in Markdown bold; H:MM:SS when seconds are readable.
**10:22**
